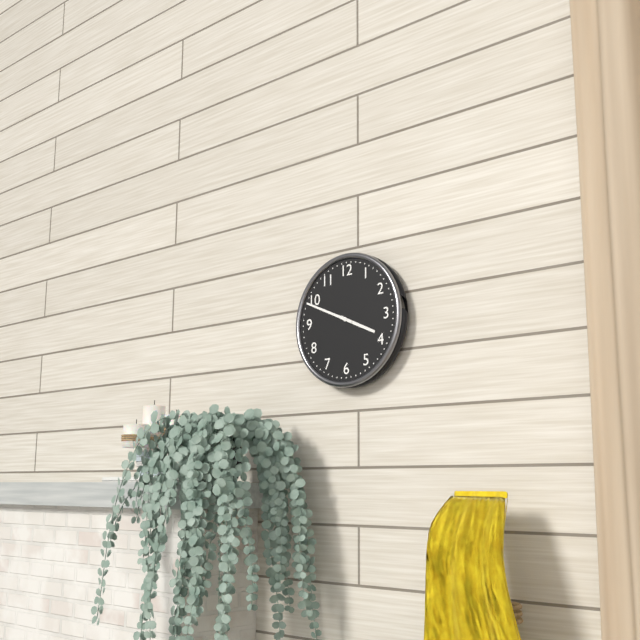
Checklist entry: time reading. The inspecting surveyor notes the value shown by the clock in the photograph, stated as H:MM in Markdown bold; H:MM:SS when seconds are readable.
**3:49**
